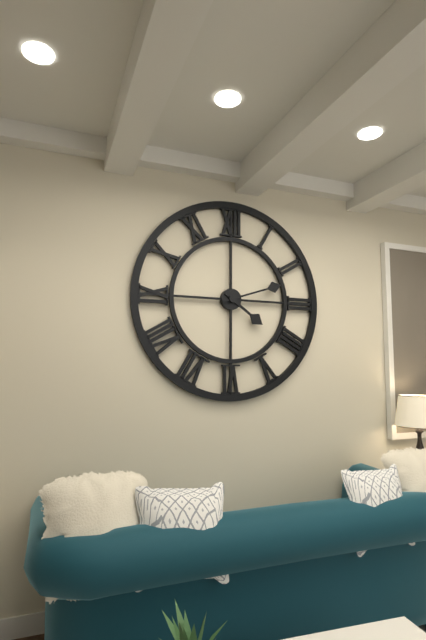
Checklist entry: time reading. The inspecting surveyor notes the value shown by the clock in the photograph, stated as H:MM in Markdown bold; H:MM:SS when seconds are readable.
**4:12**
